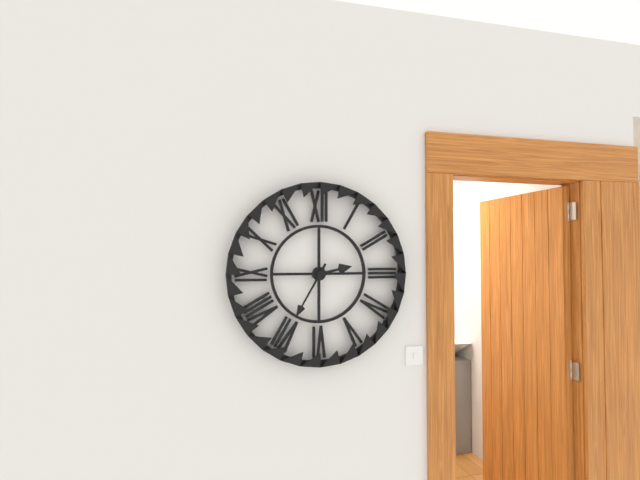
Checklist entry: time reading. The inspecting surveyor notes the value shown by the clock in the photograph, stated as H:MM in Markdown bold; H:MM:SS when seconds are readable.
**2:35**
